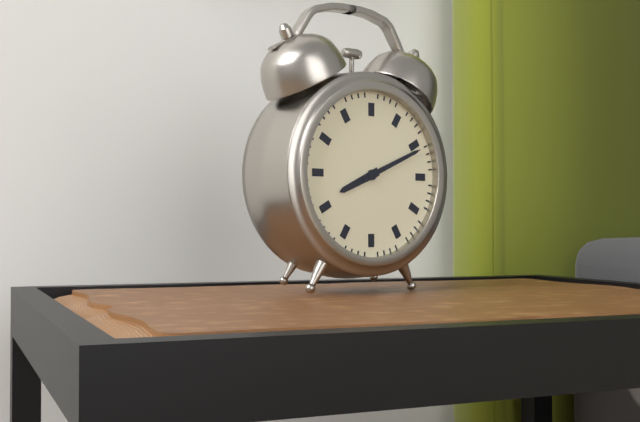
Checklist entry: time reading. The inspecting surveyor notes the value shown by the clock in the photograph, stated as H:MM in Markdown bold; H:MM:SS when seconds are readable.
**8:11**
